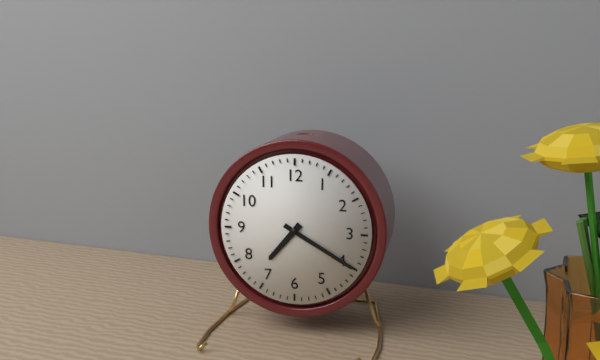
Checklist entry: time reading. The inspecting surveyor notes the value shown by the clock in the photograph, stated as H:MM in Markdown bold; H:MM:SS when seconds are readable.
**7:20**
